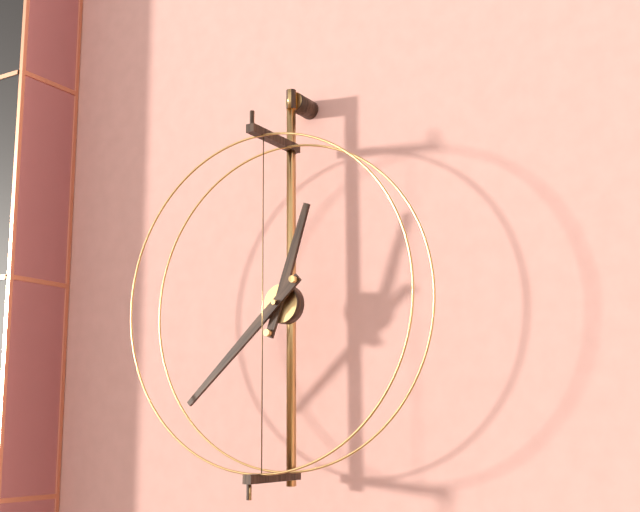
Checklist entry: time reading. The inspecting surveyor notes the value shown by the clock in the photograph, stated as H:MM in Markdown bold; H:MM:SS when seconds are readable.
**12:38**
